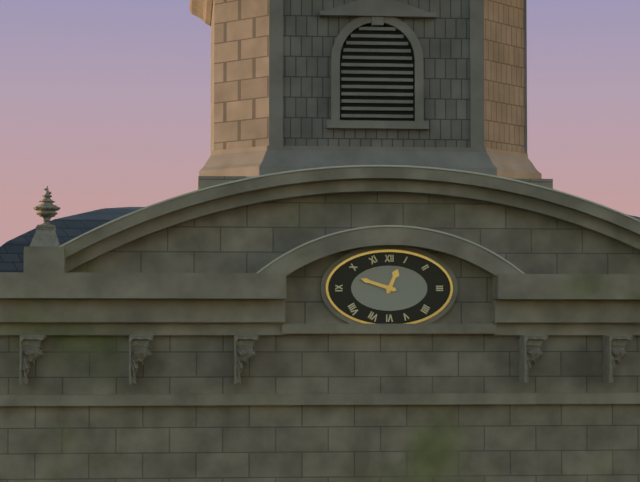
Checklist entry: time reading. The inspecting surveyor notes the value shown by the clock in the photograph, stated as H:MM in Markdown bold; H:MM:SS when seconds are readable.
**12:48**
